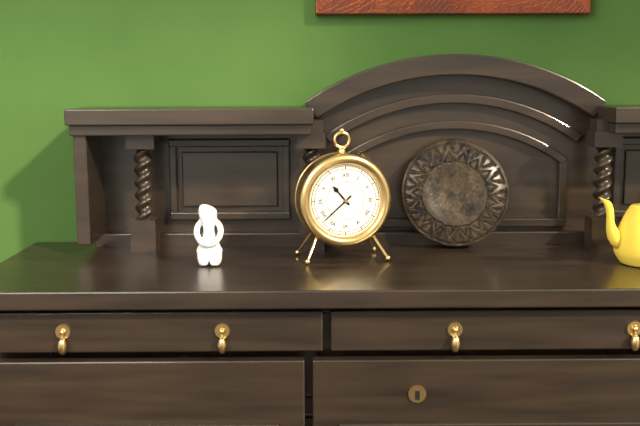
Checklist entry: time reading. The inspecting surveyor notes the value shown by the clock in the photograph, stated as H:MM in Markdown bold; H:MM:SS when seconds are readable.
**10:38**
